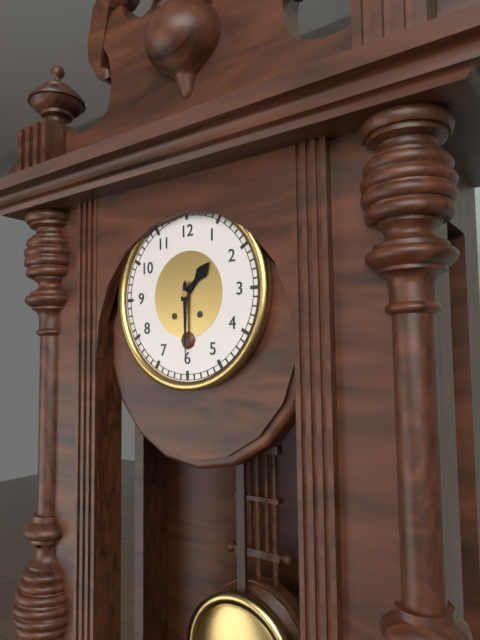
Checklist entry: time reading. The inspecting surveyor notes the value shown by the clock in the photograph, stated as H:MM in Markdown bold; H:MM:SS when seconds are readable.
**1:30**
